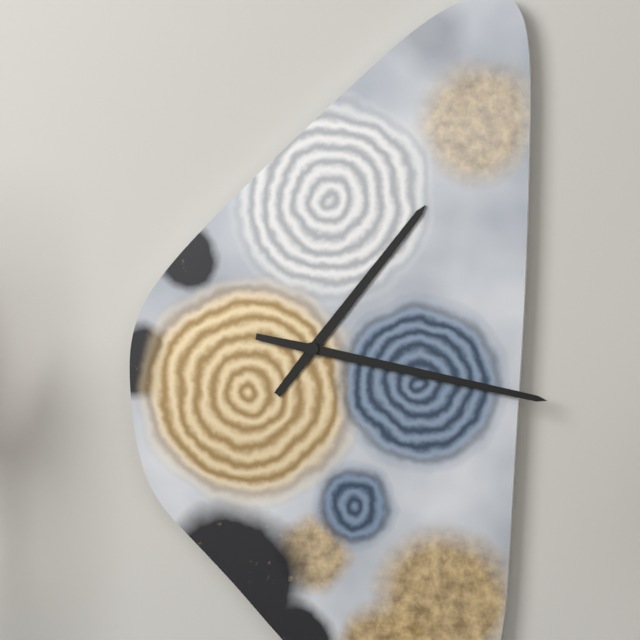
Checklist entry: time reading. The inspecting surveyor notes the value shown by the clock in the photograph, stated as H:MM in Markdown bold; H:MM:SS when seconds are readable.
**1:17**
